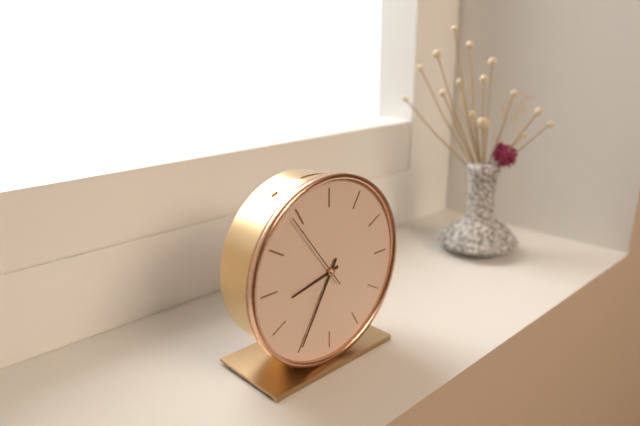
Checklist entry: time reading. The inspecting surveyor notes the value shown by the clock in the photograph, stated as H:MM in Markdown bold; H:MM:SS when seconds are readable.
**8:35:54**
